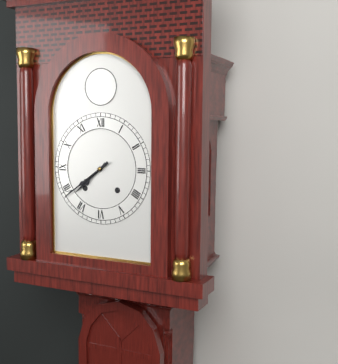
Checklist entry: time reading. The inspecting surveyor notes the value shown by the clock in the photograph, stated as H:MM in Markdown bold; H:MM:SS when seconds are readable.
**7:39**
